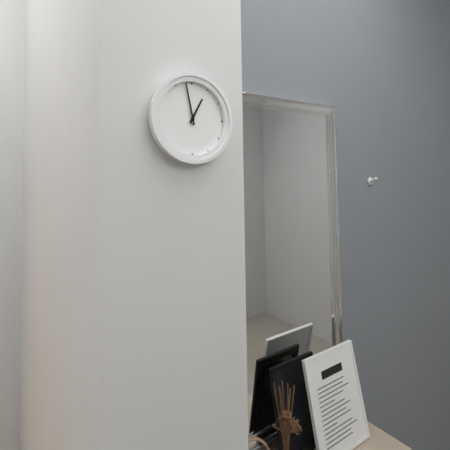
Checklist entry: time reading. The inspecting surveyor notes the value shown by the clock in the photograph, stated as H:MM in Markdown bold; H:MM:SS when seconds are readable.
**12:58**
